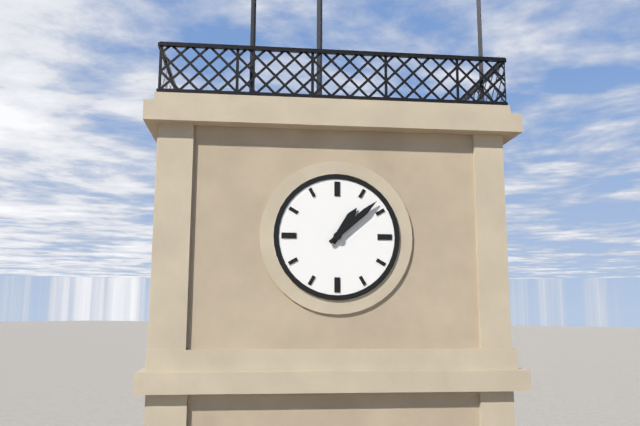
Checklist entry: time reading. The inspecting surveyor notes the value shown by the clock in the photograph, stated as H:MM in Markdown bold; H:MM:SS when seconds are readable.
**1:08**
